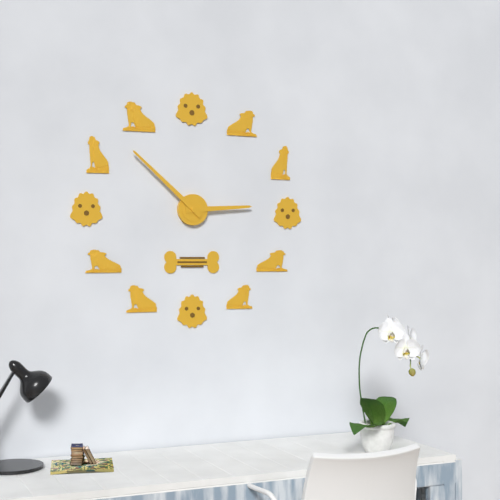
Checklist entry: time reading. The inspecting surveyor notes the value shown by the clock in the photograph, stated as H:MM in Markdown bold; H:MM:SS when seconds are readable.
**2:52**
